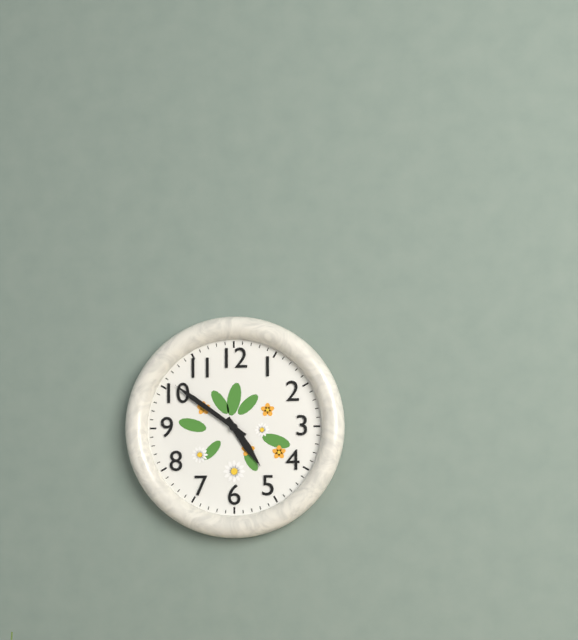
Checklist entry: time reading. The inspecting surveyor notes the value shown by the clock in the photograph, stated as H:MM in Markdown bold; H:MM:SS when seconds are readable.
**4:51**
